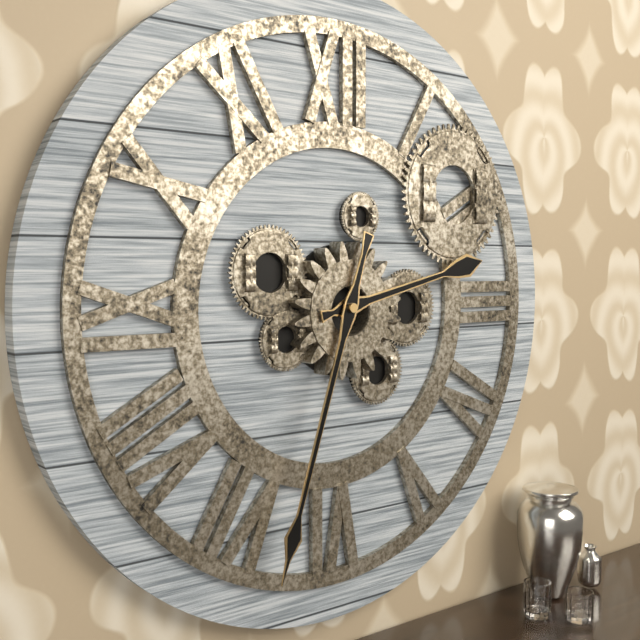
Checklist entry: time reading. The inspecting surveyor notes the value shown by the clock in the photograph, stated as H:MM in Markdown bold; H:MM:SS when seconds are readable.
**2:33**
